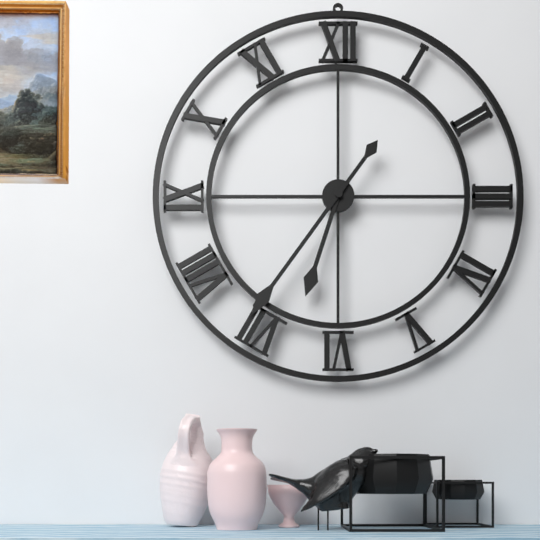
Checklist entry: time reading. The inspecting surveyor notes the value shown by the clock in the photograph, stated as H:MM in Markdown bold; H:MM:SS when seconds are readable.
**6:36**
